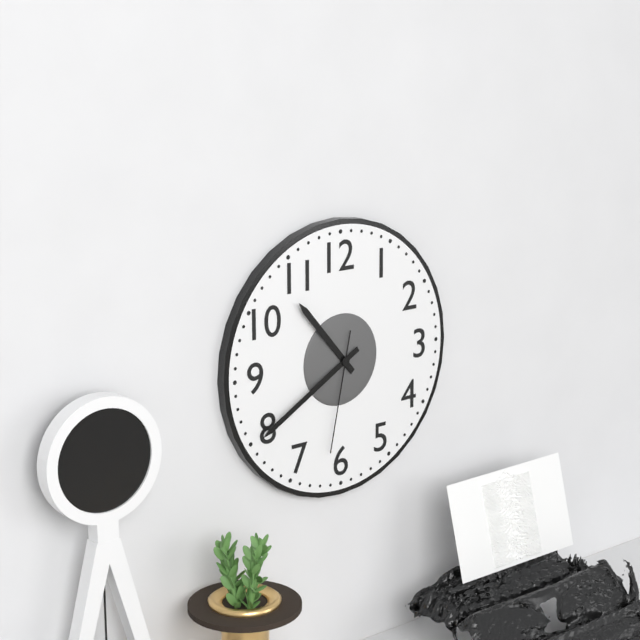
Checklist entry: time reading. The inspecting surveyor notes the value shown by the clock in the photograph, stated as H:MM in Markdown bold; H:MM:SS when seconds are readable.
**10:40:32**
